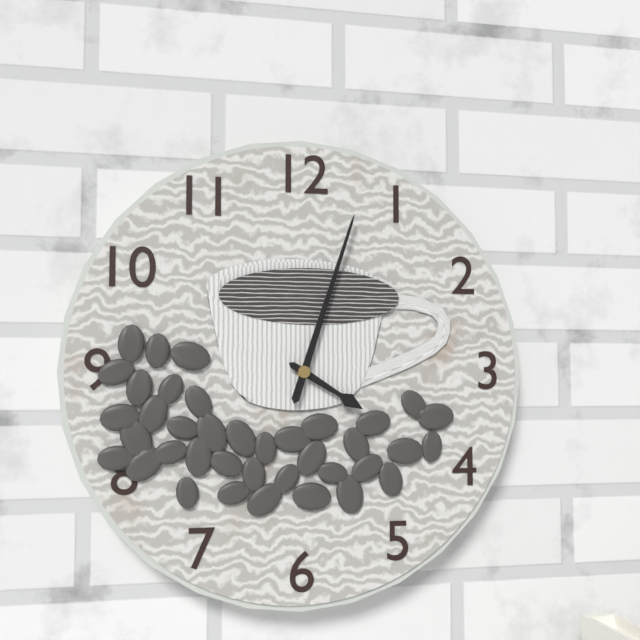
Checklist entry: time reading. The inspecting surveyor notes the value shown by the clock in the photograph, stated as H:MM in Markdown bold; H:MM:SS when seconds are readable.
**4:03**
